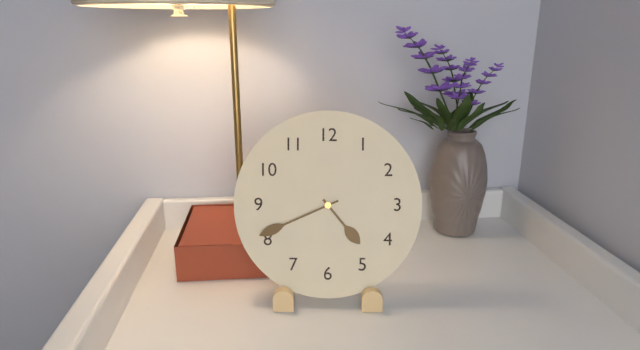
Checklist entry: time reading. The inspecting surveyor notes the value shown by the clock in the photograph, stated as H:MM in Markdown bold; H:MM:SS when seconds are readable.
**4:41**
